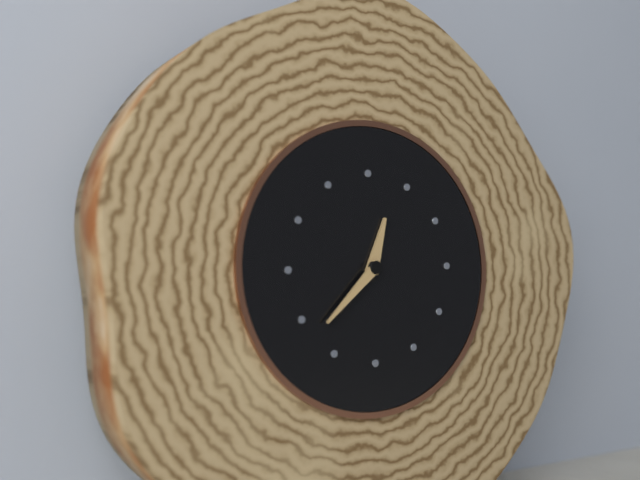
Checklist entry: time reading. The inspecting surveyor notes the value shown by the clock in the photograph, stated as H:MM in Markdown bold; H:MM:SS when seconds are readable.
**12:38**
